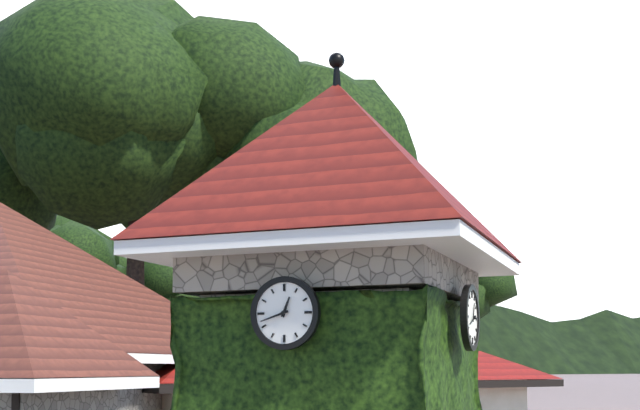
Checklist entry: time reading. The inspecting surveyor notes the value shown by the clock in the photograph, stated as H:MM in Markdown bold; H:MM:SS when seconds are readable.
**12:42**
